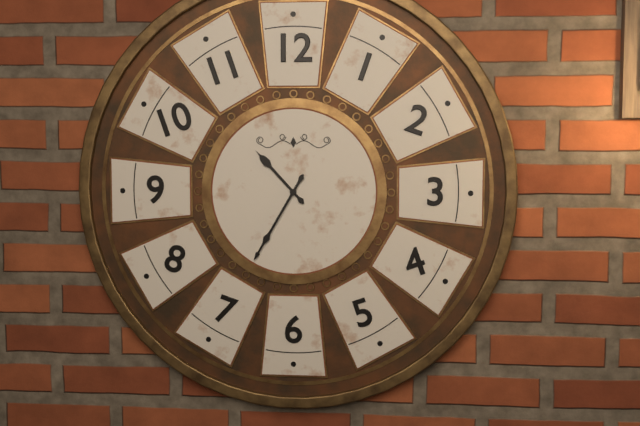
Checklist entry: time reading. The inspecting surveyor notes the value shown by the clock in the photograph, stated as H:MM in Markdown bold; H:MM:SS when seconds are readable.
**10:35**
